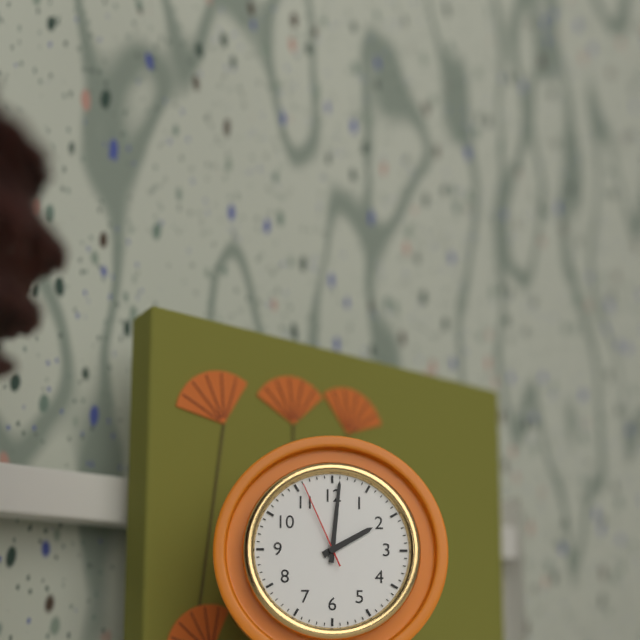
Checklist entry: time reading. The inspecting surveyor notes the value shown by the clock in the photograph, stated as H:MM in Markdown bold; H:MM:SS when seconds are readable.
**2:01:56**
